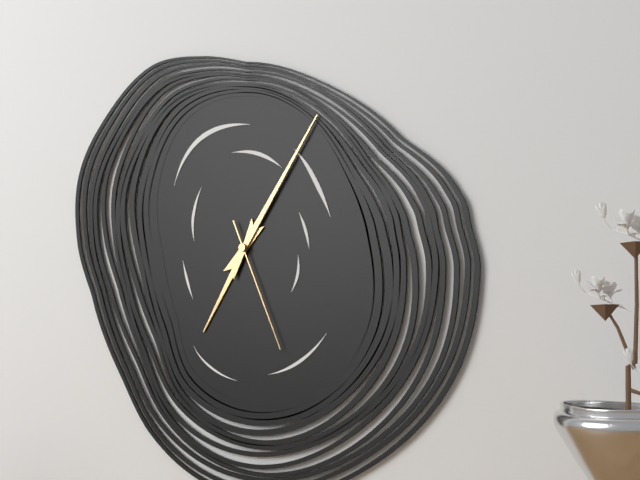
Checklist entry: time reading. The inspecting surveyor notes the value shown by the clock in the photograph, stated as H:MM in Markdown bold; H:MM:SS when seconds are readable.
**7:06:26**
